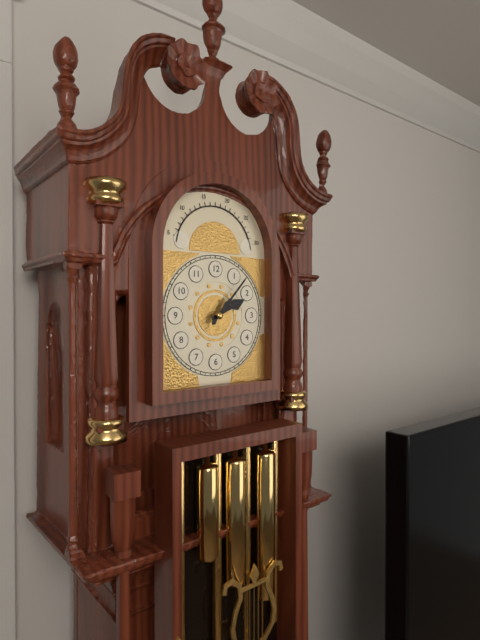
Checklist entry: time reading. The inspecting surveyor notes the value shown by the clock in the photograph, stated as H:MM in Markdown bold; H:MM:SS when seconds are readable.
**2:07**
